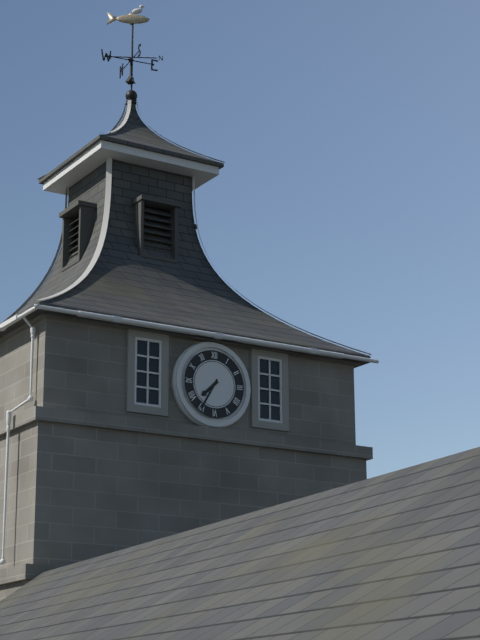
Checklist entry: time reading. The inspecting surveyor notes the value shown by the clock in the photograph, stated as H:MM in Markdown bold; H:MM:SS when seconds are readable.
**7:35**
